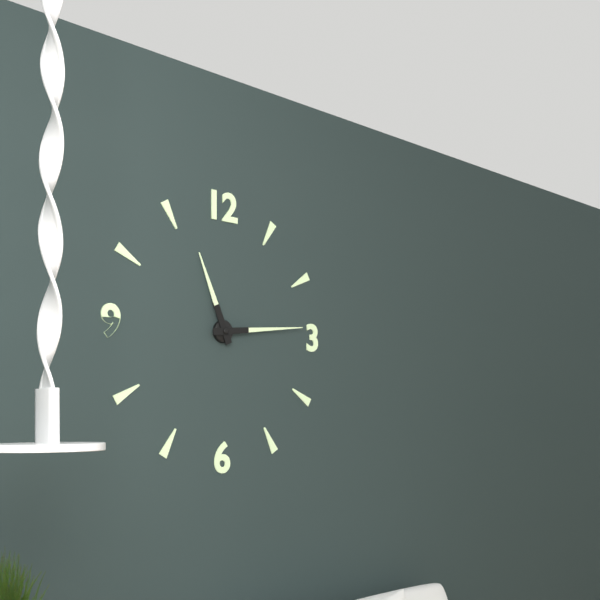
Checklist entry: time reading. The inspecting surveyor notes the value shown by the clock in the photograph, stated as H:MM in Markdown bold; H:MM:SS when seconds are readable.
**11:14**
